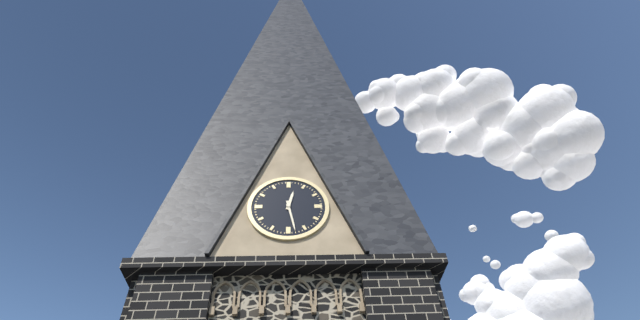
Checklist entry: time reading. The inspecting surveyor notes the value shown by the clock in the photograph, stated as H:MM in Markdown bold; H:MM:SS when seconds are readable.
**12:28**
